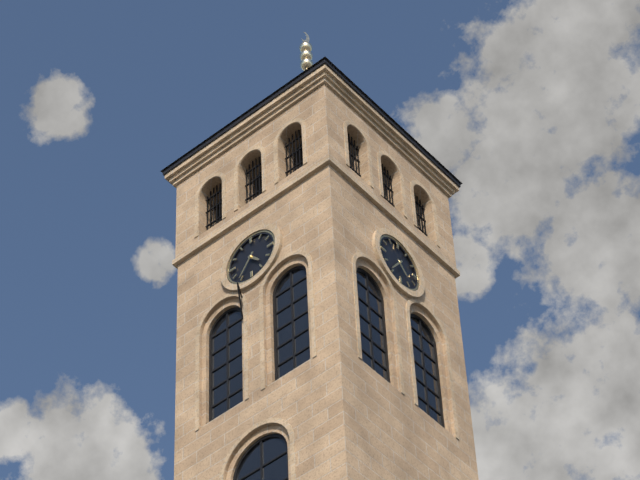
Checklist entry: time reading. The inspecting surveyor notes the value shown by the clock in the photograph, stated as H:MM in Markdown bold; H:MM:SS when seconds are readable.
**4:36**
